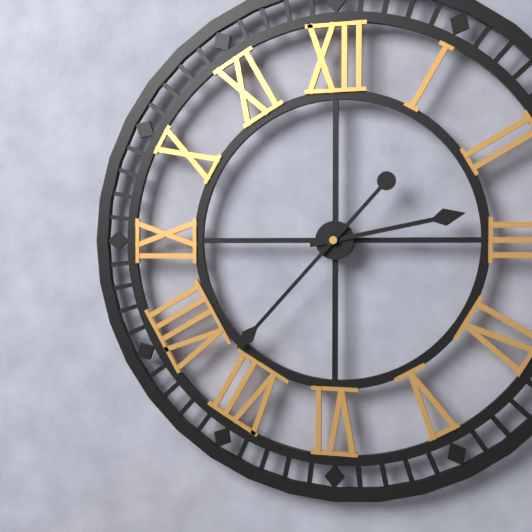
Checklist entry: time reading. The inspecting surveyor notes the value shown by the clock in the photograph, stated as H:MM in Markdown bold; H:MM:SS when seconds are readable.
**2:37**
